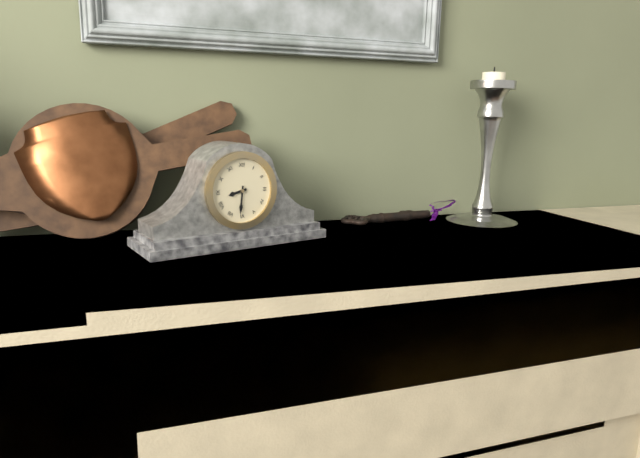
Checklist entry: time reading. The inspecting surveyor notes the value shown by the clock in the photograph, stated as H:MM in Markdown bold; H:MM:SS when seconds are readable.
**8:31**
